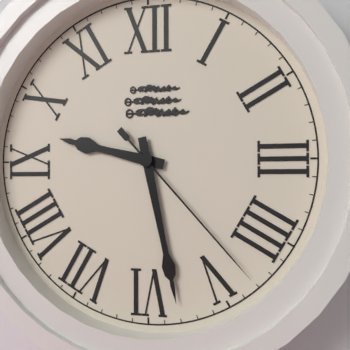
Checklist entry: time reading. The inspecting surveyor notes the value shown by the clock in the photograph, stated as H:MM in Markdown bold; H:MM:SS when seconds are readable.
**9:28:23**
